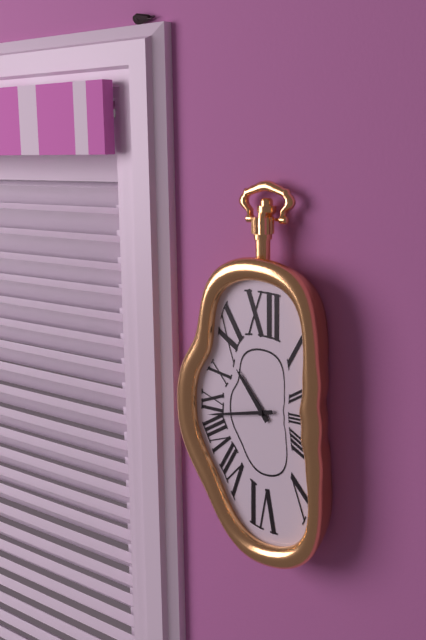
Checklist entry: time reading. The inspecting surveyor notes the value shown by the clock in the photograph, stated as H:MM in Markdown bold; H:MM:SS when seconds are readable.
**10:43**
